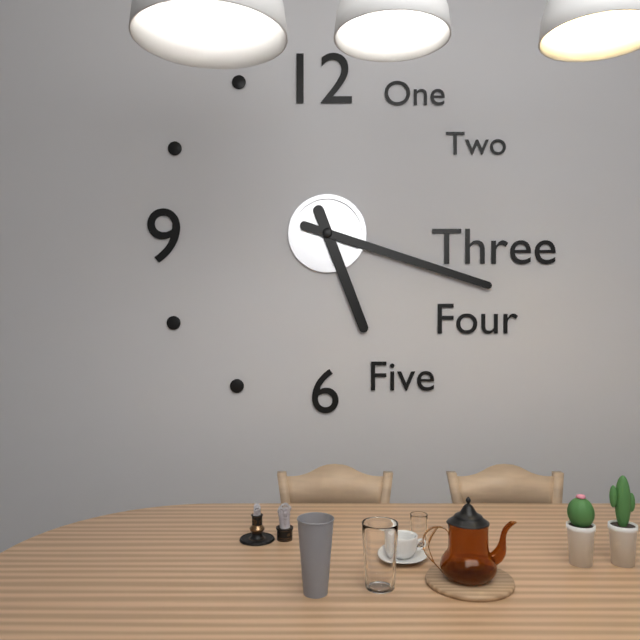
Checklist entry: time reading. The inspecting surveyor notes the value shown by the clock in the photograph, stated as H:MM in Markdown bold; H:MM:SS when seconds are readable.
**5:18**
